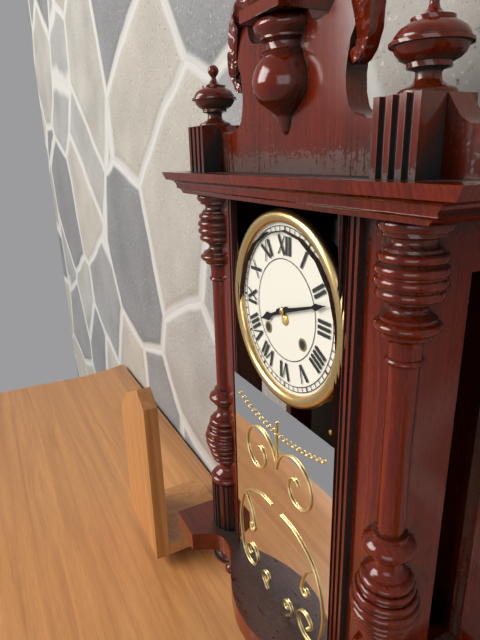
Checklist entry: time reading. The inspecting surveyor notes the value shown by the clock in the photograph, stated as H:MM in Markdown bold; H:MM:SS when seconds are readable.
**8:12**
